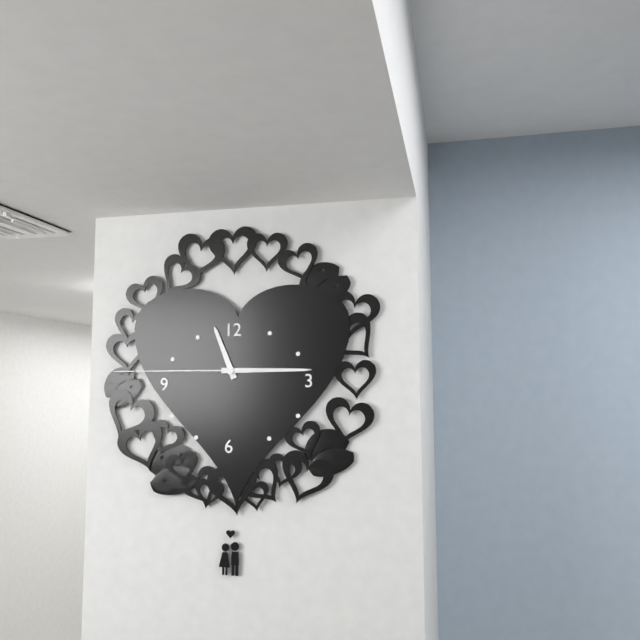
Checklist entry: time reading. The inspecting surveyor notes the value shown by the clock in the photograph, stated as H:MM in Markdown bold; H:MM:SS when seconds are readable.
**11:15:45**
